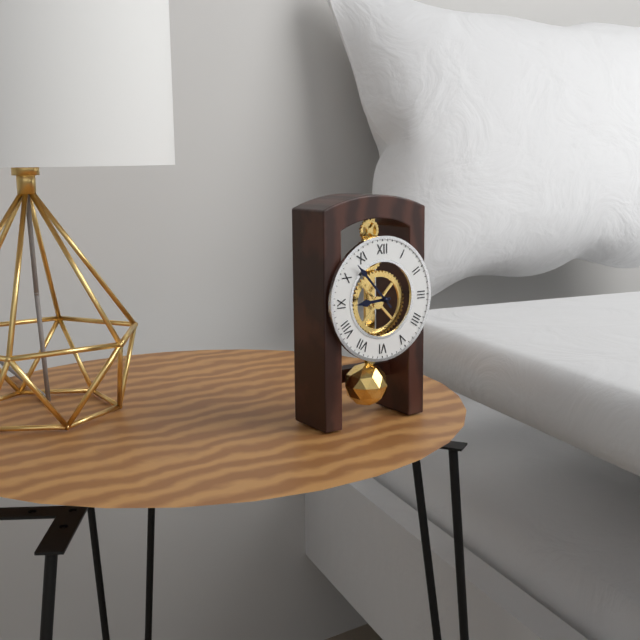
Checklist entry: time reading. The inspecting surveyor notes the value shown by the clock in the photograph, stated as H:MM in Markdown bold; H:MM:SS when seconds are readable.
**8:53**
